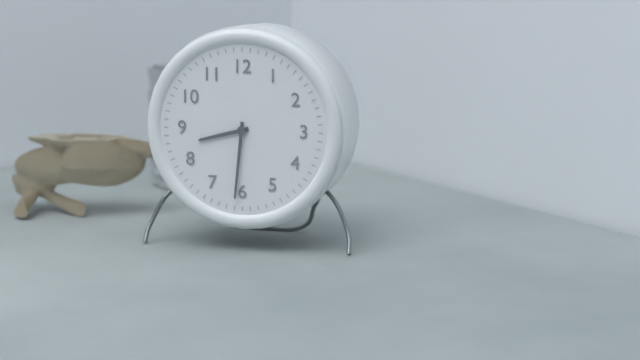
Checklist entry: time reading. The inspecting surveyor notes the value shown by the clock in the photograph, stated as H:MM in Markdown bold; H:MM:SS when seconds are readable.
**8:31**
